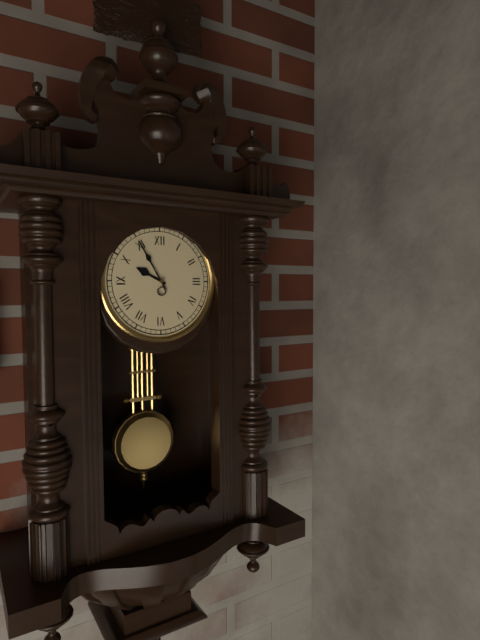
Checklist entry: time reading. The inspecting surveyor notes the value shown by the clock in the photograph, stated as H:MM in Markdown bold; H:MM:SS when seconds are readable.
**9:55**
